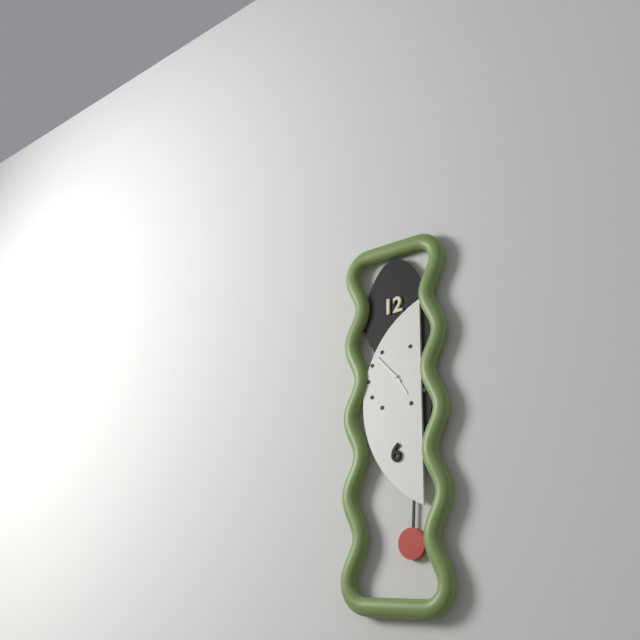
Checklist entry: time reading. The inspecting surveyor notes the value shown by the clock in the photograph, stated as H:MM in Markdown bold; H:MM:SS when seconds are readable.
**4:53**
